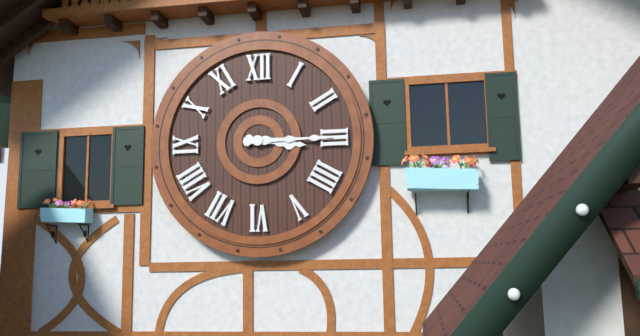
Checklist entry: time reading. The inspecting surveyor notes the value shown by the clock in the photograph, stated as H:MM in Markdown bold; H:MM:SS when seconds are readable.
**3:15**
